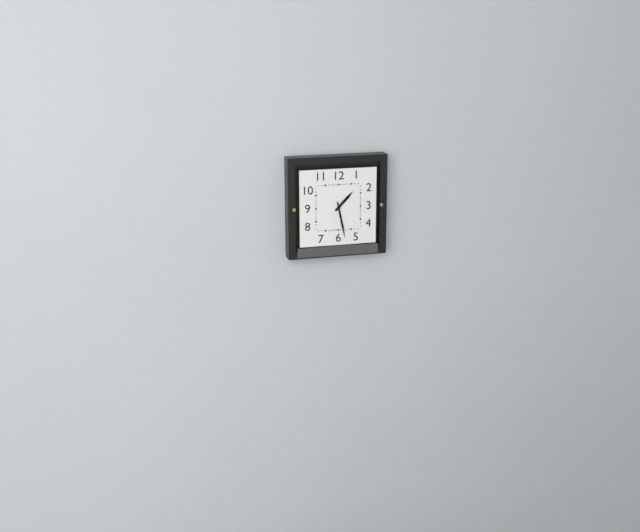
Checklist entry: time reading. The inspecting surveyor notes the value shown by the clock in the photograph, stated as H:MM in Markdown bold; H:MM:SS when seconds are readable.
**1:28**
